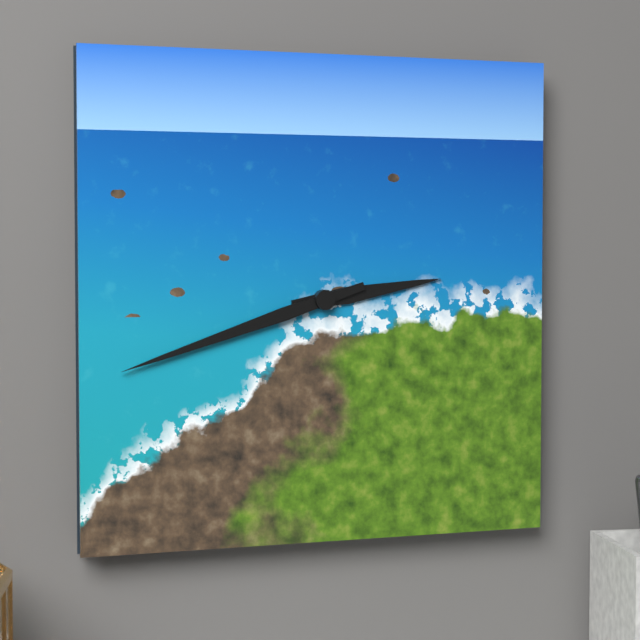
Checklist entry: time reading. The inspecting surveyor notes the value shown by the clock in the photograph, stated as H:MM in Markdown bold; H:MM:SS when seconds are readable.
**2:42**
